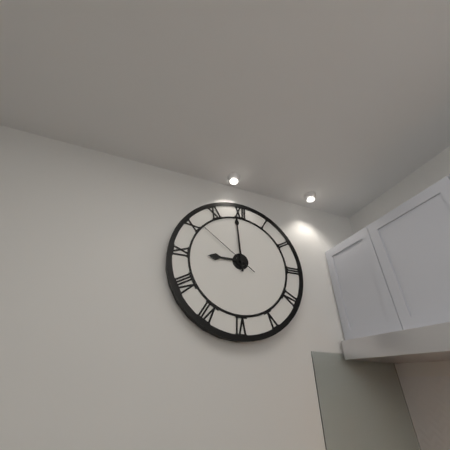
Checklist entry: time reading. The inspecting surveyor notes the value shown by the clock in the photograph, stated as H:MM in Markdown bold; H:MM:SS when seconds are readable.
**8:59:51**
